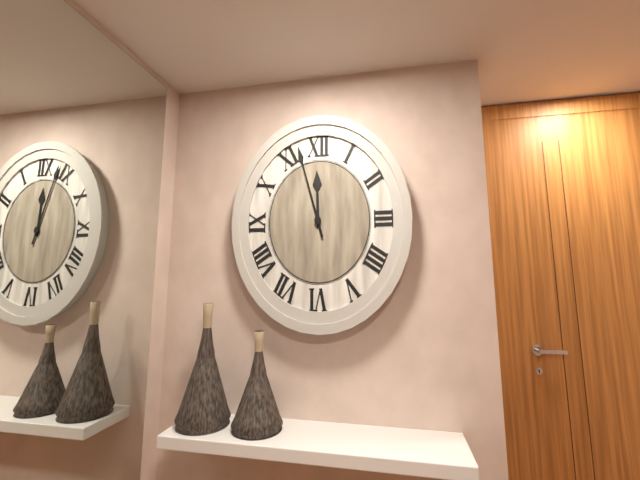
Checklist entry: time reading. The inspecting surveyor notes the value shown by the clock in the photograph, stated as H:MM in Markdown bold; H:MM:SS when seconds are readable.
**11:57**
